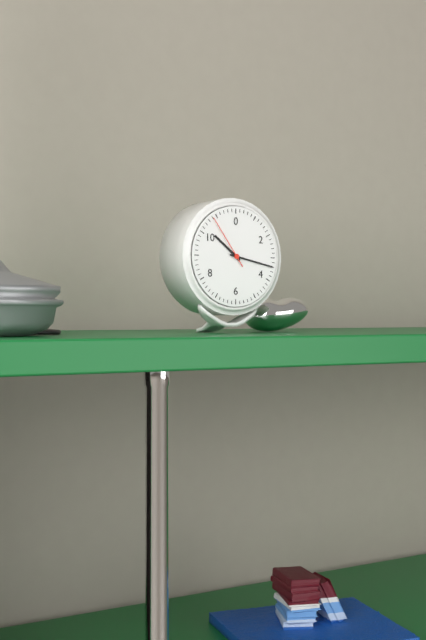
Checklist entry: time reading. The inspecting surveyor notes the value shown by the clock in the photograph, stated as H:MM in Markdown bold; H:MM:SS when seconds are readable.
**10:17:54**
